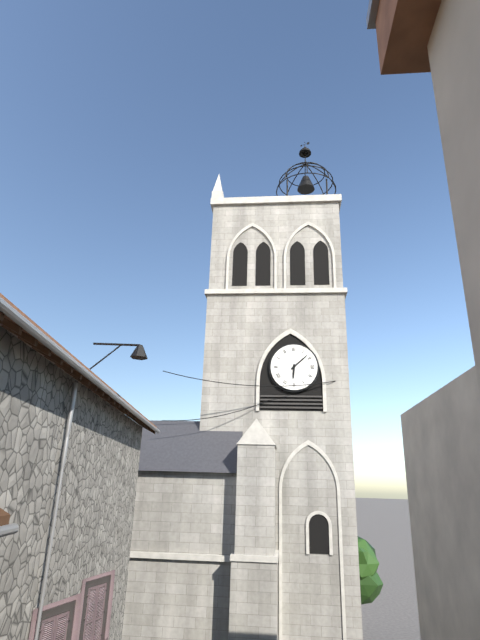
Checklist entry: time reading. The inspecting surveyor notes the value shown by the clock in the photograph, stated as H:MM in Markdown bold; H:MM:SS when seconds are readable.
**6:08**
